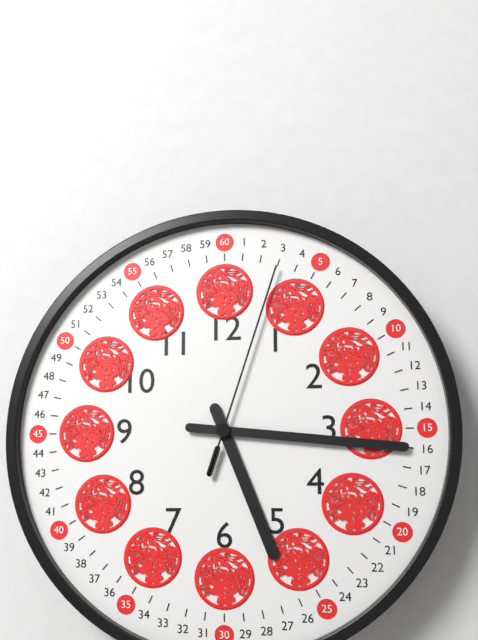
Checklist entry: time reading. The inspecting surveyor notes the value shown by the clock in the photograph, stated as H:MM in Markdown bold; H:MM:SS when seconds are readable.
**5:16:03**
